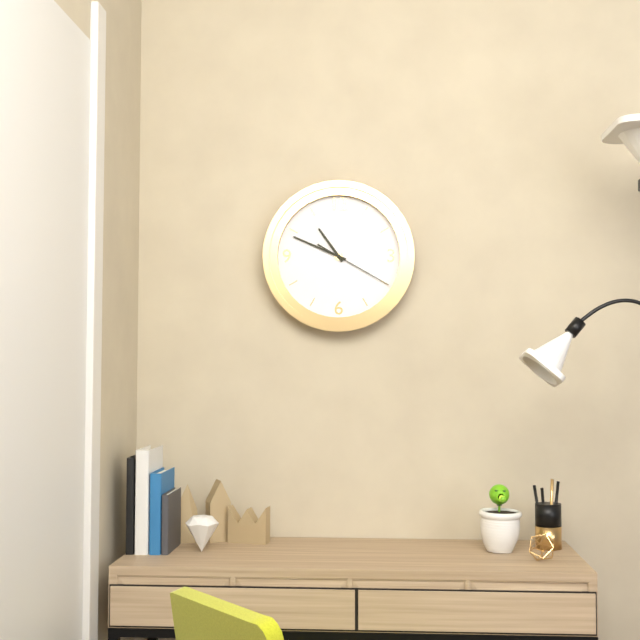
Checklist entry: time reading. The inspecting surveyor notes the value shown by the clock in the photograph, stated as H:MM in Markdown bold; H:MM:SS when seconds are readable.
**10:49:20**
